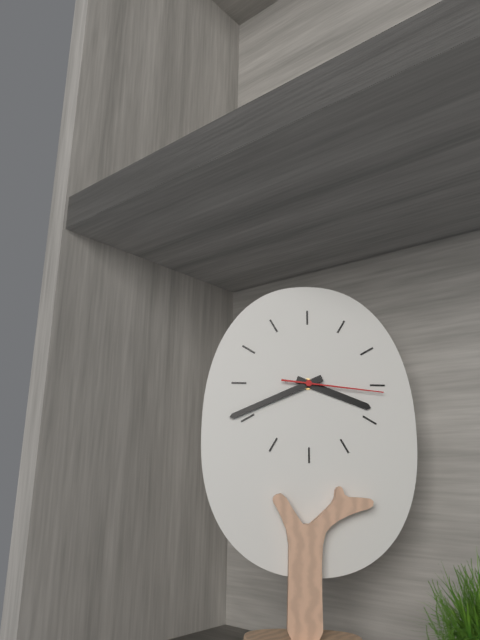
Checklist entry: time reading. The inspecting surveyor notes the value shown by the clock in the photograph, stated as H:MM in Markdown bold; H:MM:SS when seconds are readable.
**3:41:16**
